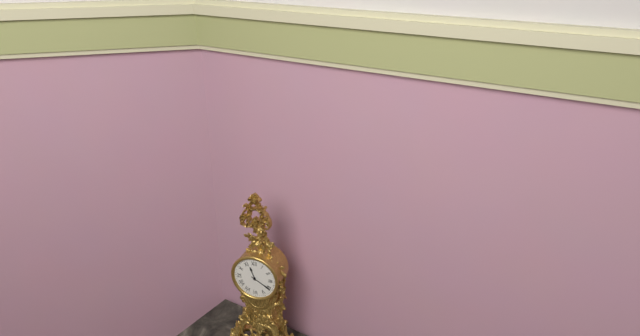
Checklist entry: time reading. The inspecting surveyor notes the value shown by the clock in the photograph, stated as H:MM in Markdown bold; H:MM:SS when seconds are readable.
**11:20**
